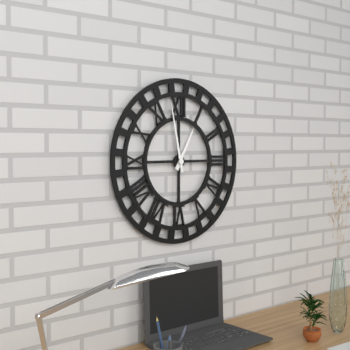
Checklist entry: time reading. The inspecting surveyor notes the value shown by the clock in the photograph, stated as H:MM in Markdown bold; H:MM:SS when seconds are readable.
**12:58**
